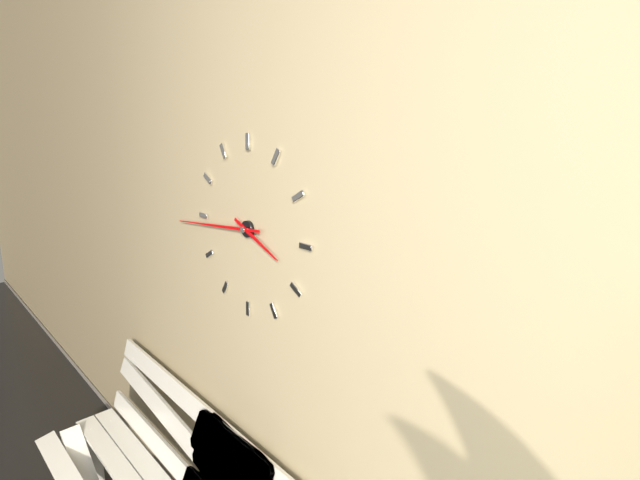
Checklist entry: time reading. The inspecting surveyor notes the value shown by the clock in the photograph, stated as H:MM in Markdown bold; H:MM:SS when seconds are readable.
**3:44**
